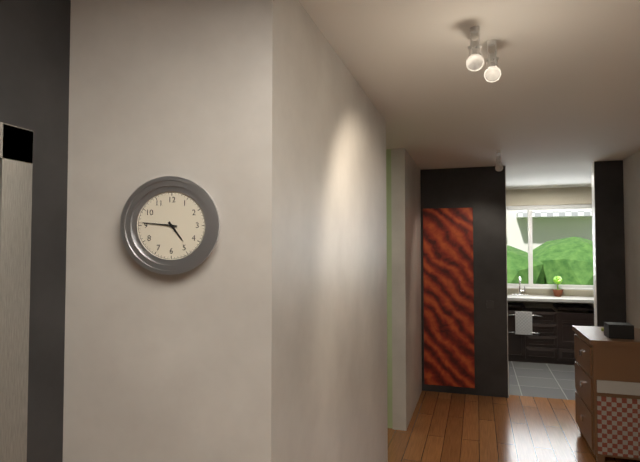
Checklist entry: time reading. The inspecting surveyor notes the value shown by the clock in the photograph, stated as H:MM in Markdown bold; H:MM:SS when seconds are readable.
**4:46**
